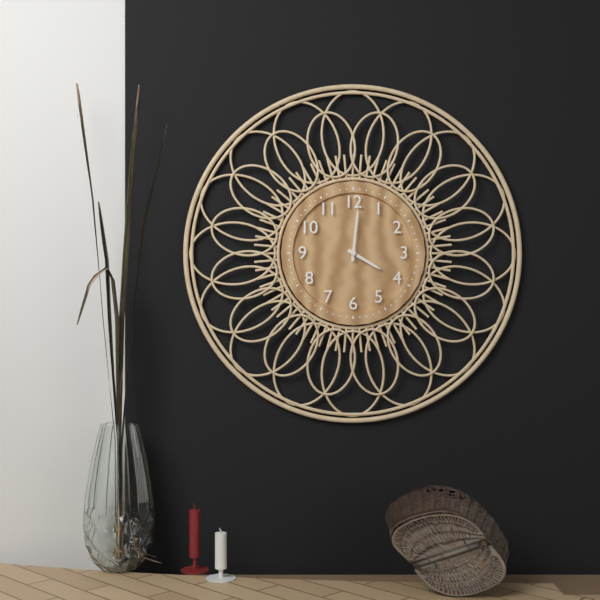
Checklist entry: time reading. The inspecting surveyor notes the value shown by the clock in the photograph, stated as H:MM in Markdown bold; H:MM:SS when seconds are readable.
**4:01**
